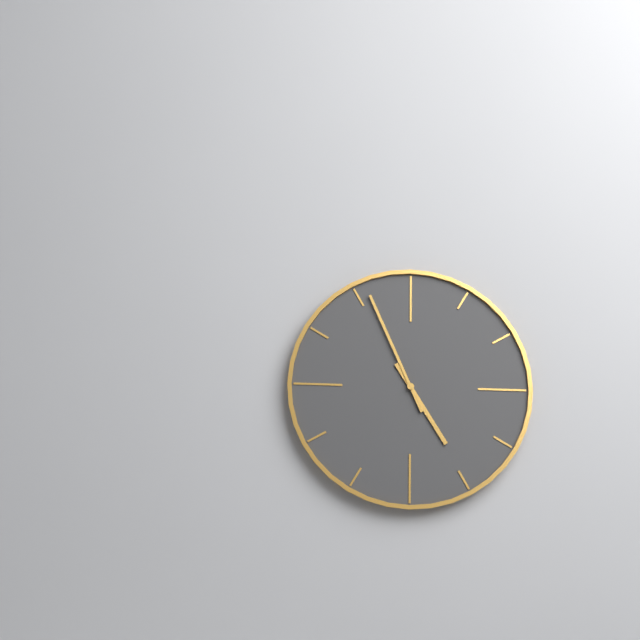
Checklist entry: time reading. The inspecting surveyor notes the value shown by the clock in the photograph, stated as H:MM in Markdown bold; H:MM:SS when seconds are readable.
**4:56**
